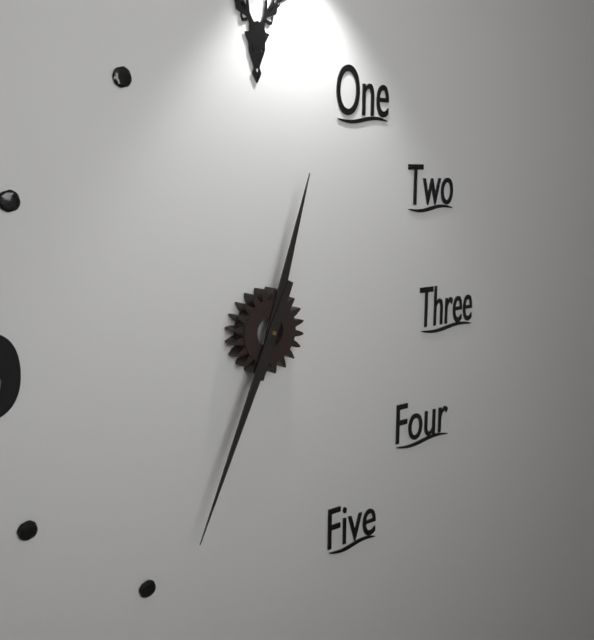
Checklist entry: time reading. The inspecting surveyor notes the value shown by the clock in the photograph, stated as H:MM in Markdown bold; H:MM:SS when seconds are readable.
**12:34**
